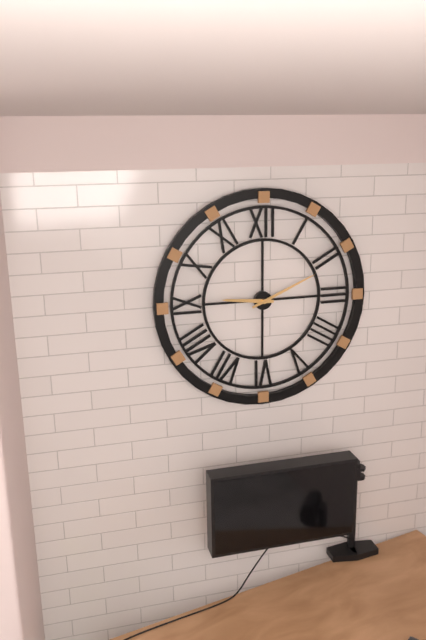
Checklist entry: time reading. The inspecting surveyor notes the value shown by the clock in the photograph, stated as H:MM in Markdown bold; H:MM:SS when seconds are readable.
**9:11**
